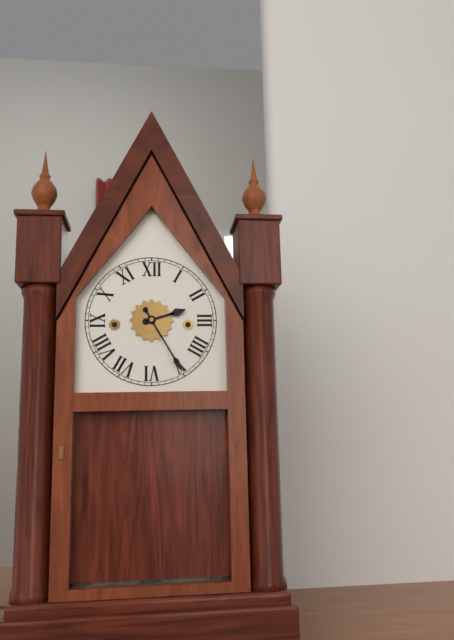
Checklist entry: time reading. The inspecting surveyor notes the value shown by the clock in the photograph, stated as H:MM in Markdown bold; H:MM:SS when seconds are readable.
**2:25**
